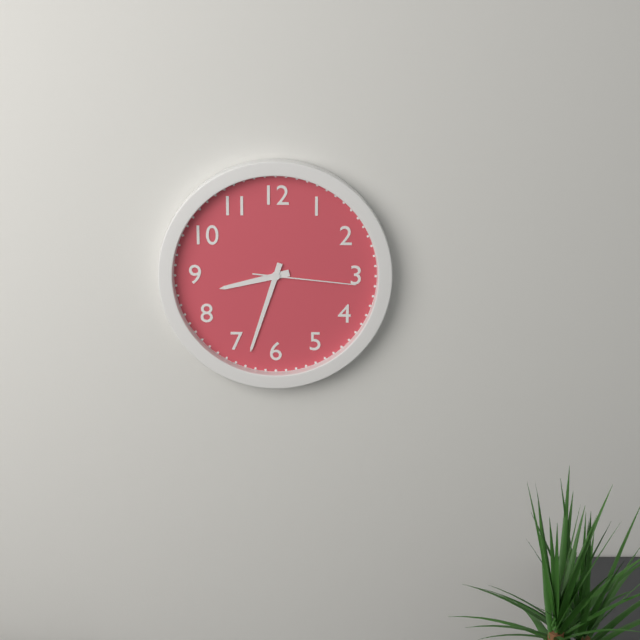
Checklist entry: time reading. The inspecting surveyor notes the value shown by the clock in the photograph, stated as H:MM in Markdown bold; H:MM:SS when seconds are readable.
**8:33:16**
